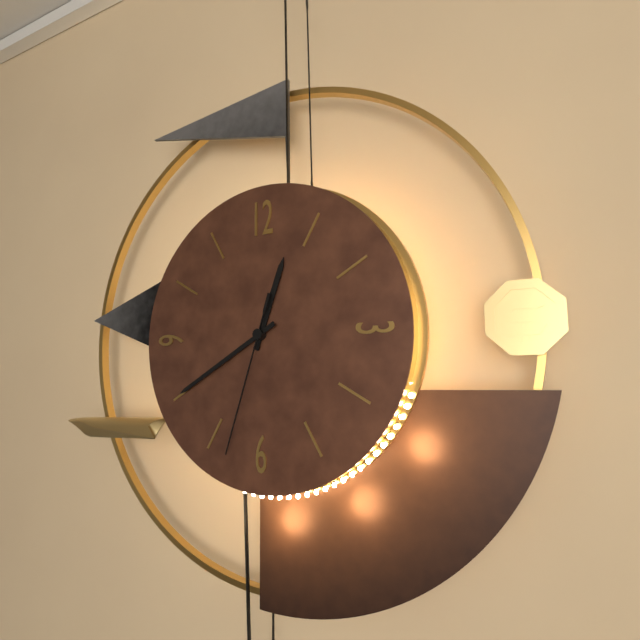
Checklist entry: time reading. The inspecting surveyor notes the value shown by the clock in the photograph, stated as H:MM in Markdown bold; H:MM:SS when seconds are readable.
**12:40:33**
